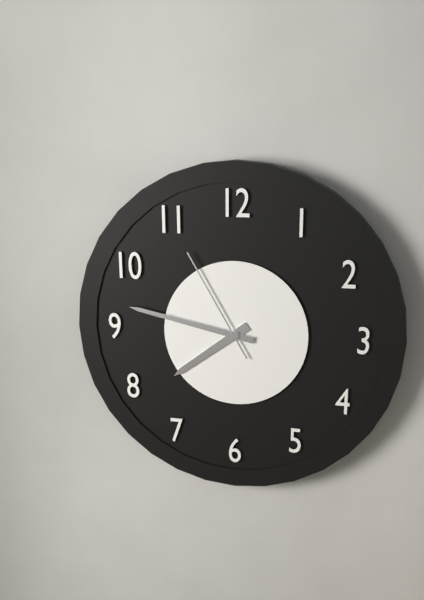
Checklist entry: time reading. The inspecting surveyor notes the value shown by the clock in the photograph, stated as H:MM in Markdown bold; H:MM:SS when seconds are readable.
**7:47:55**
